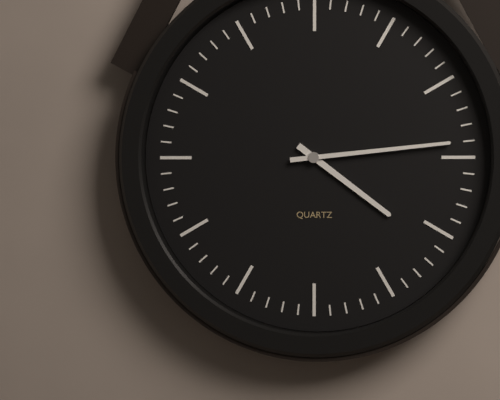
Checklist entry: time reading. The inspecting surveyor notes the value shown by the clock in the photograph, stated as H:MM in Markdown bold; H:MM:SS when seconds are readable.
**4:14**
